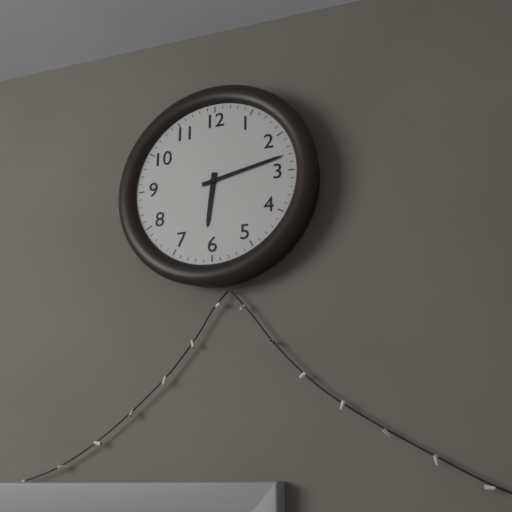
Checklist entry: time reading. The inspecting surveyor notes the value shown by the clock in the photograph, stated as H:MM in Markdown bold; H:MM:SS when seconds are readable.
**6:13**
